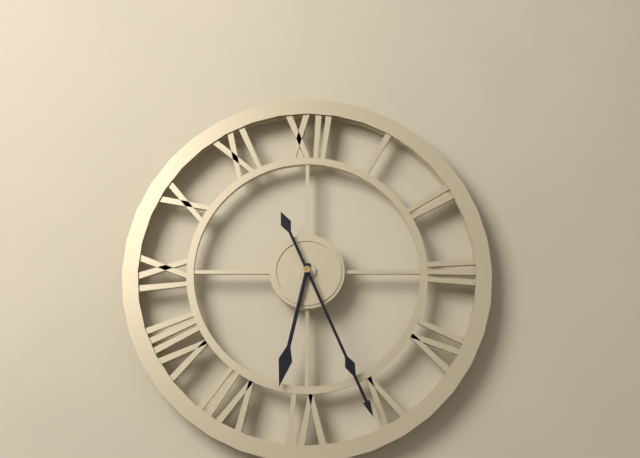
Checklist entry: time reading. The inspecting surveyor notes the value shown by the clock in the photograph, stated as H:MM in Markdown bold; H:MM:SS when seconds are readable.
**6:26**
